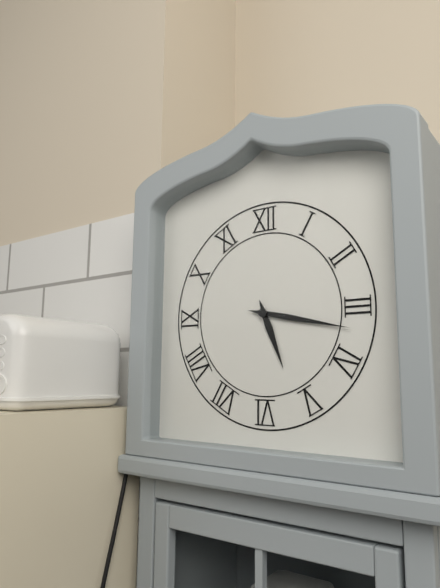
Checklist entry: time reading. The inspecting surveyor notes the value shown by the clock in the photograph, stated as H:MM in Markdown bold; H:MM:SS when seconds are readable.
**5:17**
